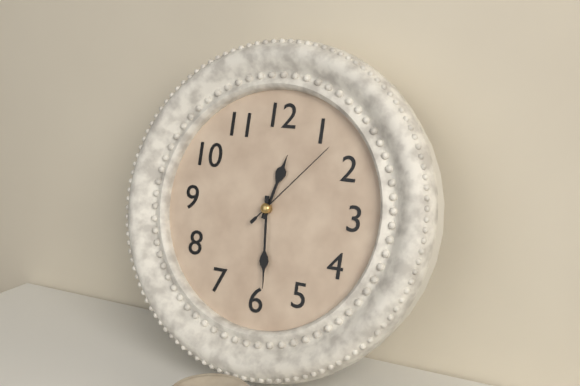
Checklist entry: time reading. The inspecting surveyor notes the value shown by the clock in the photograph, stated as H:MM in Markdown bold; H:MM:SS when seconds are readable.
**12:29:07**
